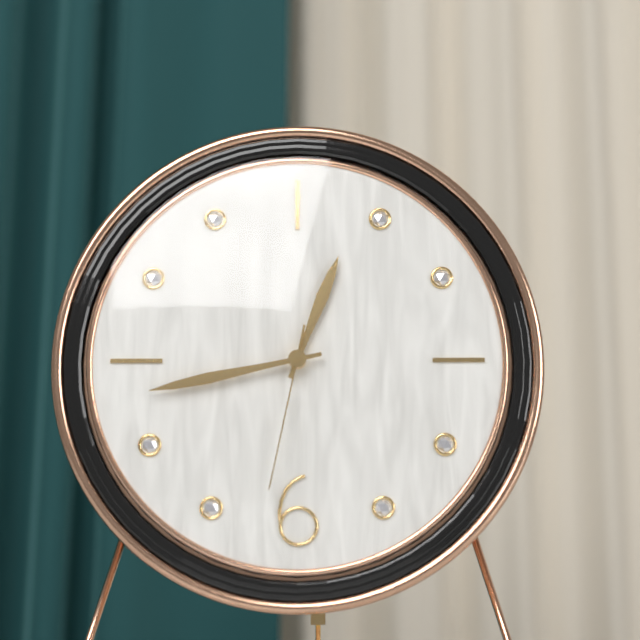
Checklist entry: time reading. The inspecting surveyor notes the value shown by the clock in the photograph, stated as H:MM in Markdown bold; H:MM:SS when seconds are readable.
**12:43:32**
